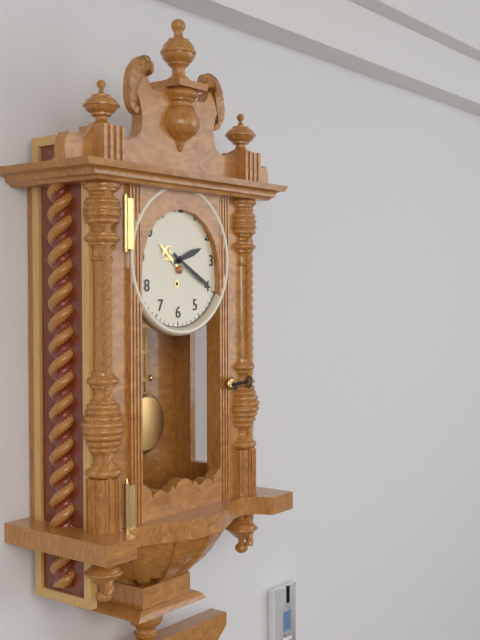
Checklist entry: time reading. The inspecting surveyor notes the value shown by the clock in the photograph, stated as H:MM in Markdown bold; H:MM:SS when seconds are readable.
**2:20**
